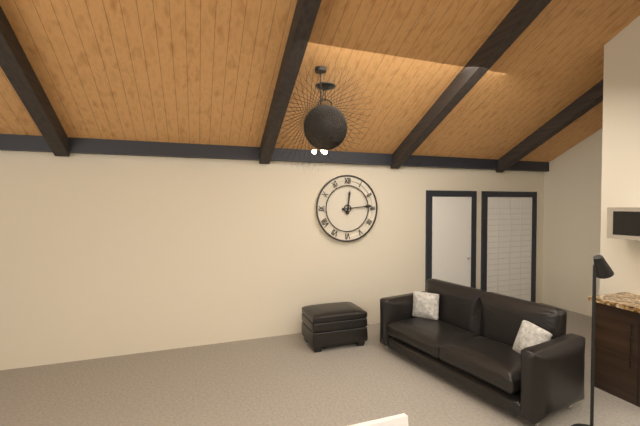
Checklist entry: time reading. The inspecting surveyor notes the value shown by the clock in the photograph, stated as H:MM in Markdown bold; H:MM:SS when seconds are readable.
**12:14**
